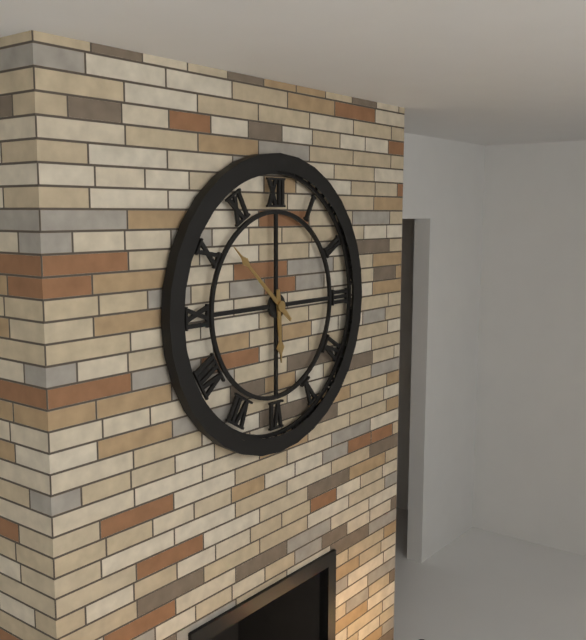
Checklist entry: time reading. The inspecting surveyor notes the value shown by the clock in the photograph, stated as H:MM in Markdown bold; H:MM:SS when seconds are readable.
**5:52**
